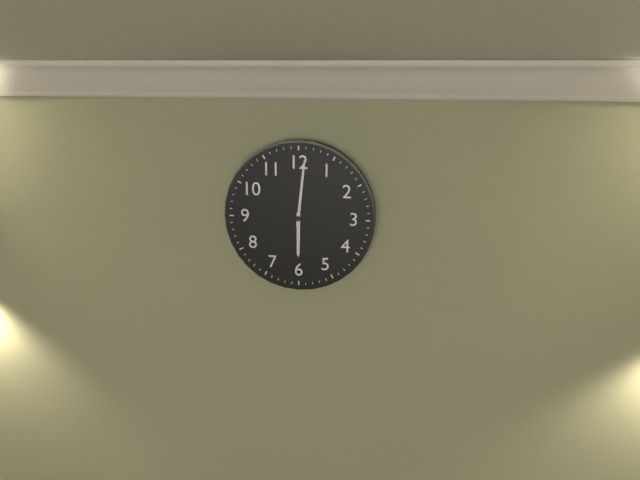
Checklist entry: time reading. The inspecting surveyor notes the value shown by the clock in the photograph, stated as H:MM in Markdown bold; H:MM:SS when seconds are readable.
**6:01**
